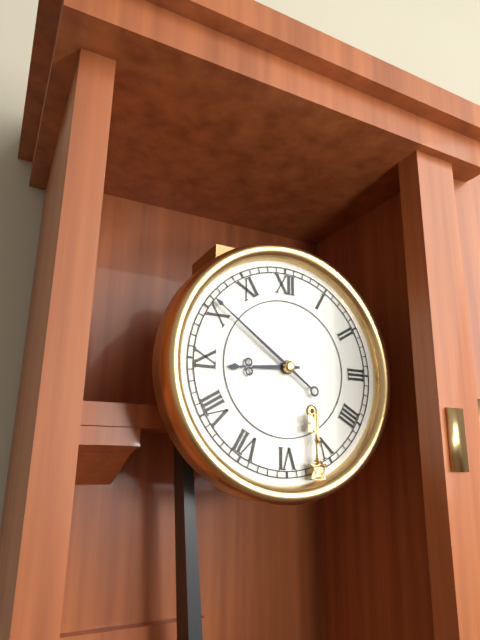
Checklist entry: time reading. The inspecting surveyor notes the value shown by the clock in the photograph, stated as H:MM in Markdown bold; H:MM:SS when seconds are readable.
**8:51**
